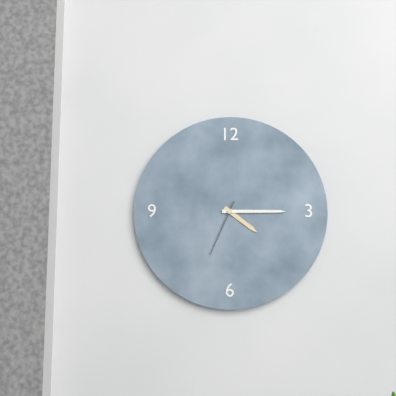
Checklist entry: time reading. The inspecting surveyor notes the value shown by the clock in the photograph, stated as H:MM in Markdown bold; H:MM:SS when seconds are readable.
**4:15:34**
